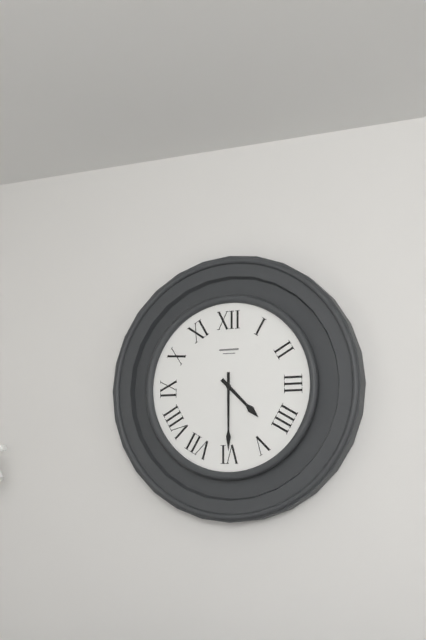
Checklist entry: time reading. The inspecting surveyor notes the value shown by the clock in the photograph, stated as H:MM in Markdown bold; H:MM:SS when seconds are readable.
**4:30**
